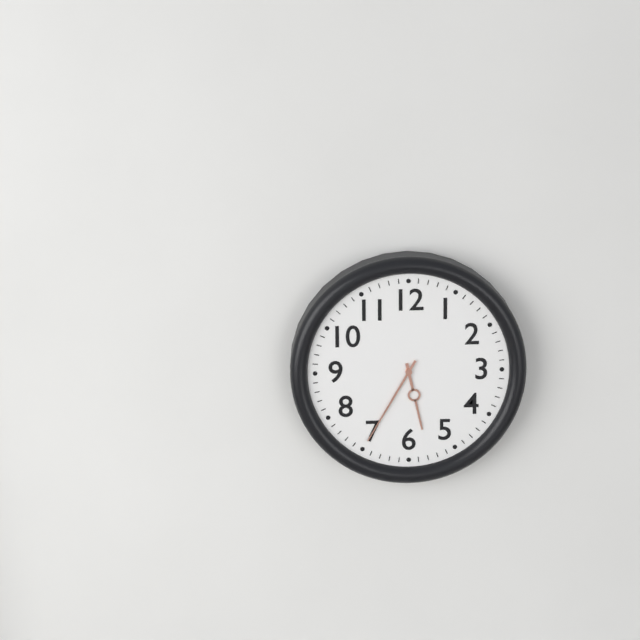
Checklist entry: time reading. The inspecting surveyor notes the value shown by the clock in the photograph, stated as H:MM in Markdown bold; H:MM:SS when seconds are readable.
**5:35**
